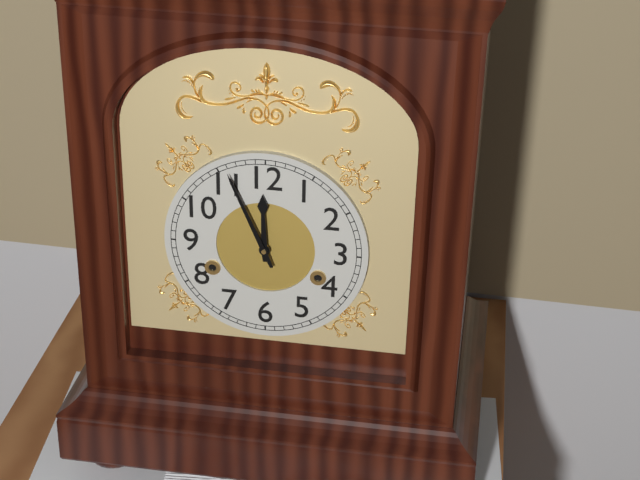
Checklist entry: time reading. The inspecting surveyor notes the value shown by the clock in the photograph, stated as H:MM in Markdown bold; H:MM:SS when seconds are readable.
**11:56**
